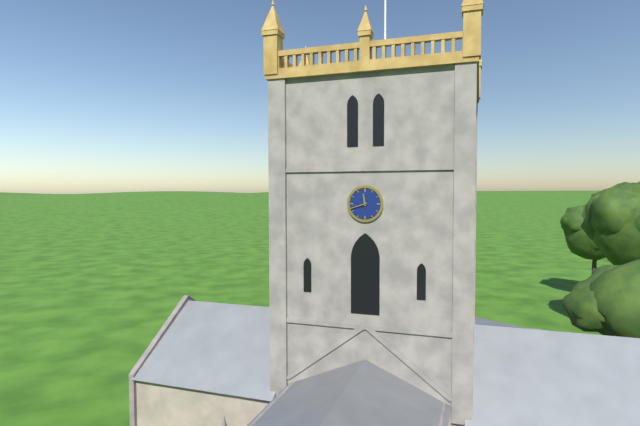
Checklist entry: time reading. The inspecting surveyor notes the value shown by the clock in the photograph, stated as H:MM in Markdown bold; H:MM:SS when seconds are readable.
**11:42**
